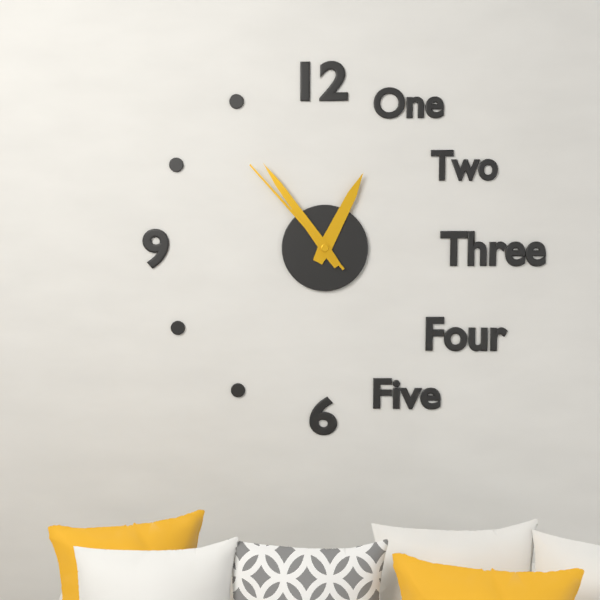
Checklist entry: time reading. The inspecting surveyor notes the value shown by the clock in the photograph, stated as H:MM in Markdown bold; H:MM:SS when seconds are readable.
**12:54:53**
